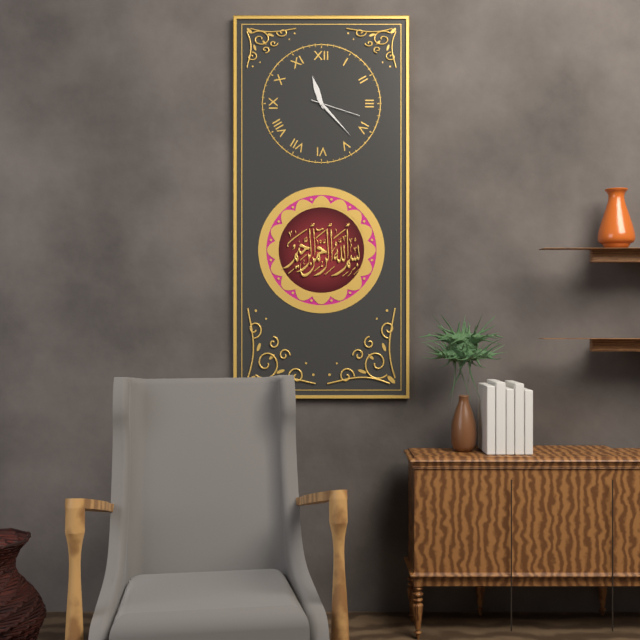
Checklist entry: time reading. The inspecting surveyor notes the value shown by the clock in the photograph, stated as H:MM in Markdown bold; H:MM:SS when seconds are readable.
**11:23:18**
